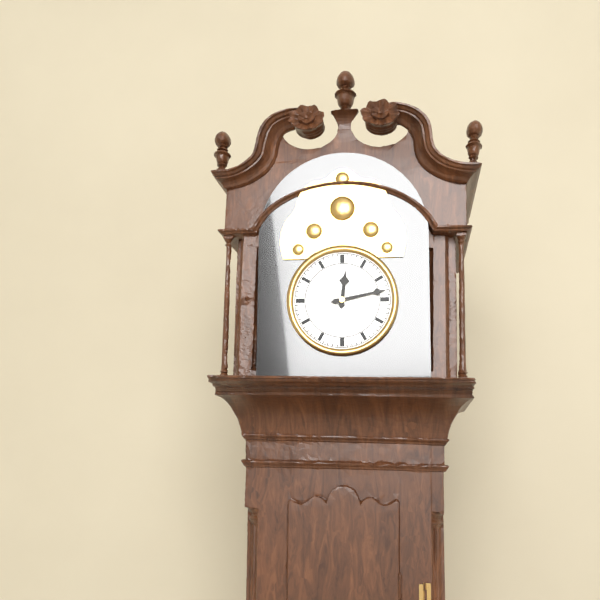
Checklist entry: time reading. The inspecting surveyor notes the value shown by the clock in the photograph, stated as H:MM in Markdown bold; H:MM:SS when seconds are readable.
**12:13**
